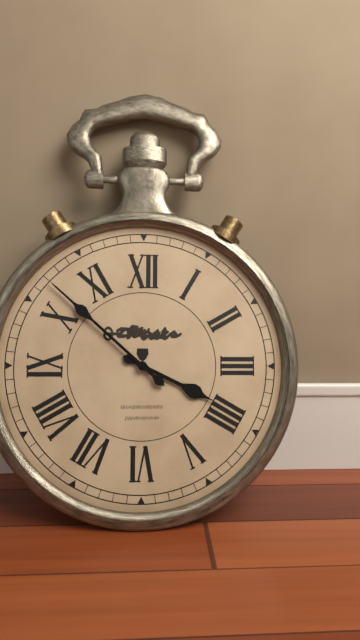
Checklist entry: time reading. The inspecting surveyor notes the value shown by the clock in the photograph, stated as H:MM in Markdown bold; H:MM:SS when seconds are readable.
**3:52**
